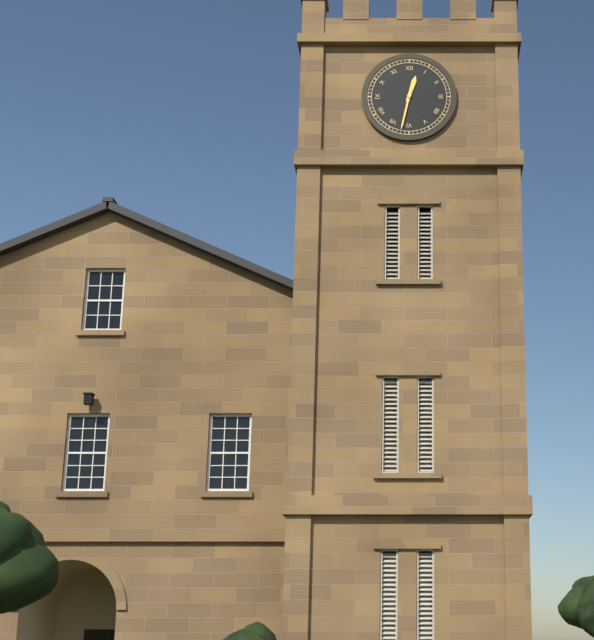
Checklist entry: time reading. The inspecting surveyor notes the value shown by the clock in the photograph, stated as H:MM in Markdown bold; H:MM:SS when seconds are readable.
**12:32**
